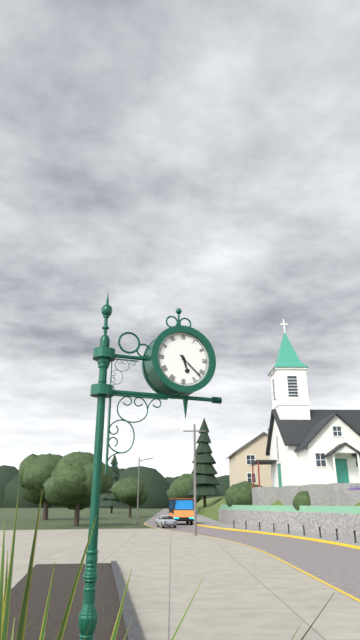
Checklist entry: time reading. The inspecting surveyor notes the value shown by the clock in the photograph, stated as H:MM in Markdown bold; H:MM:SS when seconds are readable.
**5:22**
